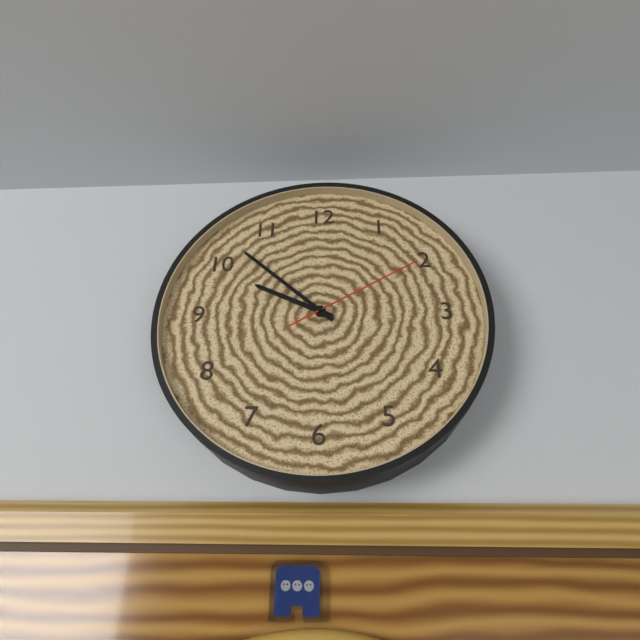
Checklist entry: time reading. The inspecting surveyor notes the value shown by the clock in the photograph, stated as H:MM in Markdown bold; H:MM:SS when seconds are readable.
**9:52:10**
